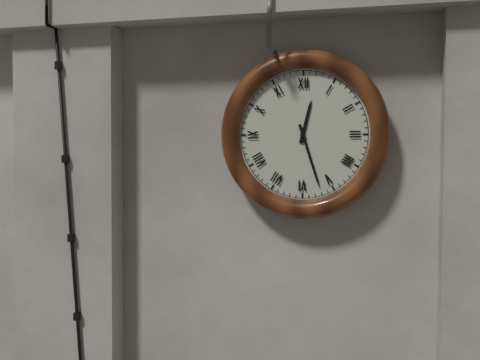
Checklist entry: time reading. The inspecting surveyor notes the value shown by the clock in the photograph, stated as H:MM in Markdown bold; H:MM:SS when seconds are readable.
**12:27**
